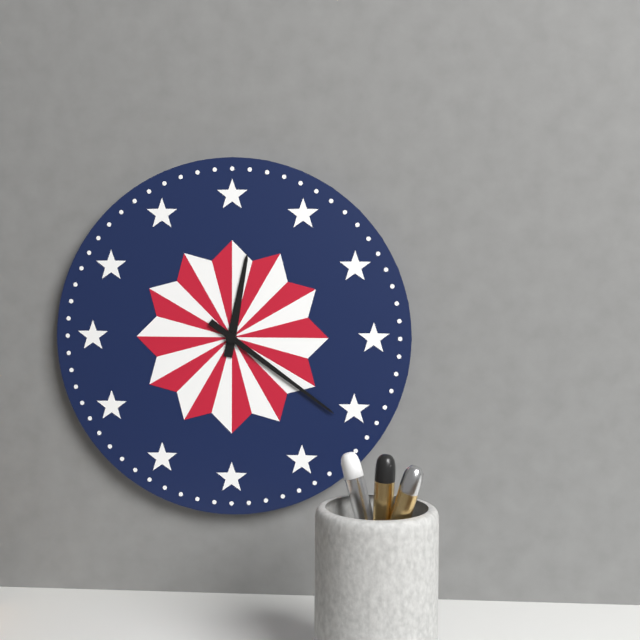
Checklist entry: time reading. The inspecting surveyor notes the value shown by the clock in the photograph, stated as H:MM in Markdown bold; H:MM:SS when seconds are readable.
**12:21**
